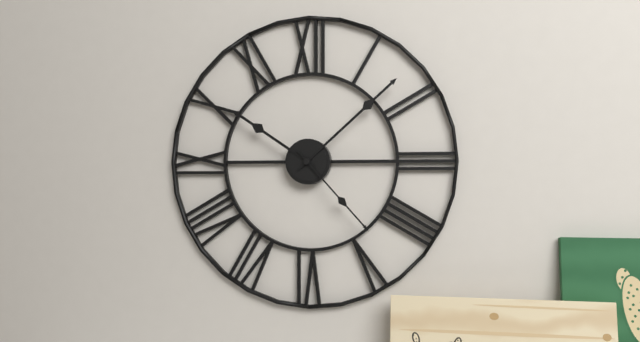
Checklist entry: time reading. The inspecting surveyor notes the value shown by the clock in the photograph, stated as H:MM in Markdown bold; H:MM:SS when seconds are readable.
**10:08:23**
